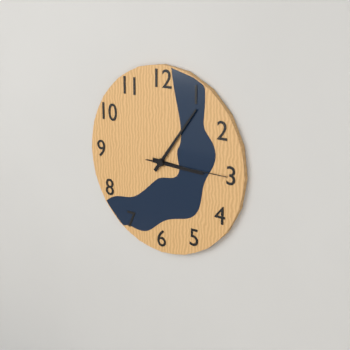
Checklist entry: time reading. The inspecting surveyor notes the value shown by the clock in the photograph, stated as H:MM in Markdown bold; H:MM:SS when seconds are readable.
**3:06:15**
